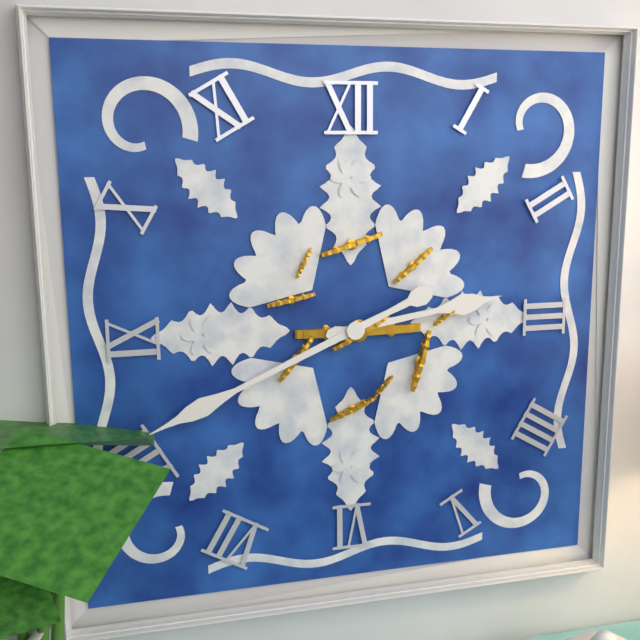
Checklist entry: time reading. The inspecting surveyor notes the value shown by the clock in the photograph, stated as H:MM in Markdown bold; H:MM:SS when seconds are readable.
**2:41**
